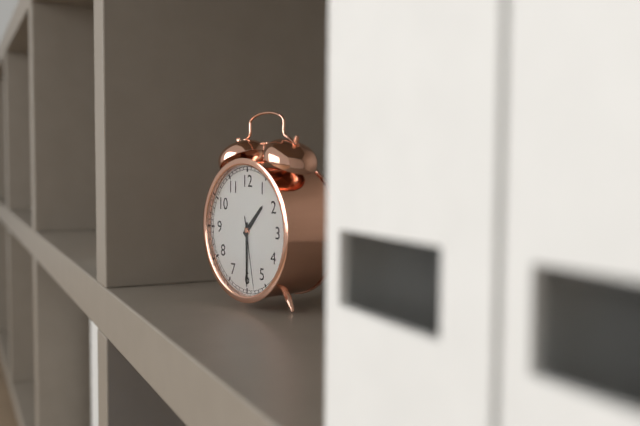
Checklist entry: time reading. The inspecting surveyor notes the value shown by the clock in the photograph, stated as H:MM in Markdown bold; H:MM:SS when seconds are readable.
**1:30:28**
